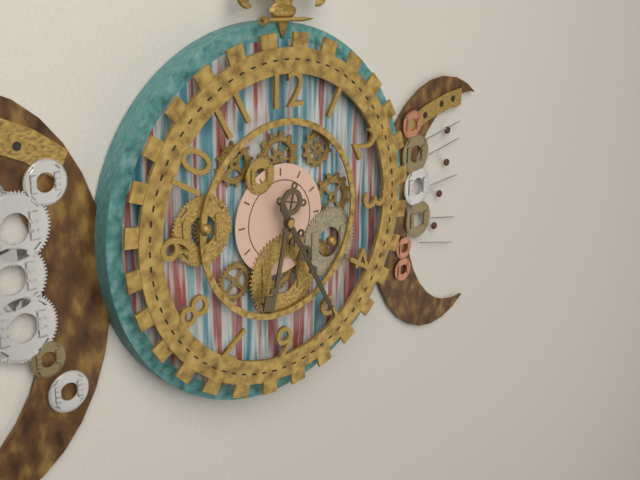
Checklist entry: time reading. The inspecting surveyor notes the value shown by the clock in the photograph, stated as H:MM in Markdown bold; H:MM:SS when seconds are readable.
**6:25**
